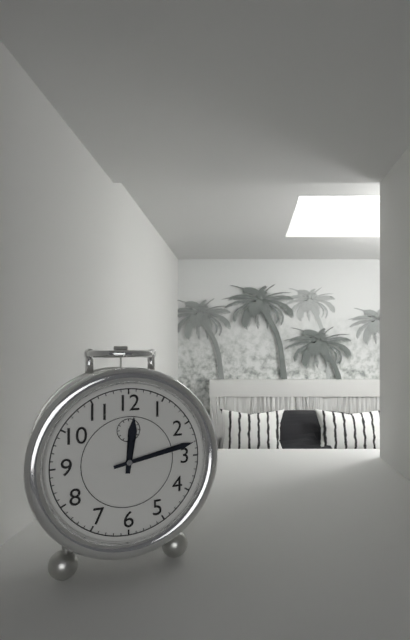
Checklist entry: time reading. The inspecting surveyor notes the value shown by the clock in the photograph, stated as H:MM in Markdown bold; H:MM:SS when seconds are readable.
**12:13**
